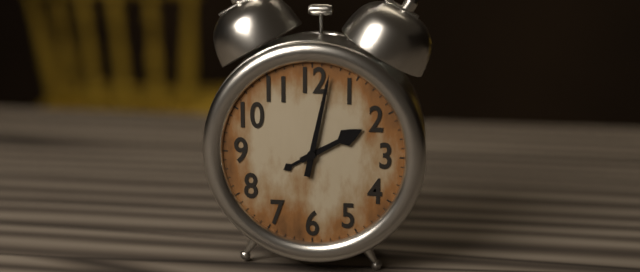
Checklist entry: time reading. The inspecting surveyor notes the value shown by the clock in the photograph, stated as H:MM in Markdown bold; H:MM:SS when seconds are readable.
**2:02**
